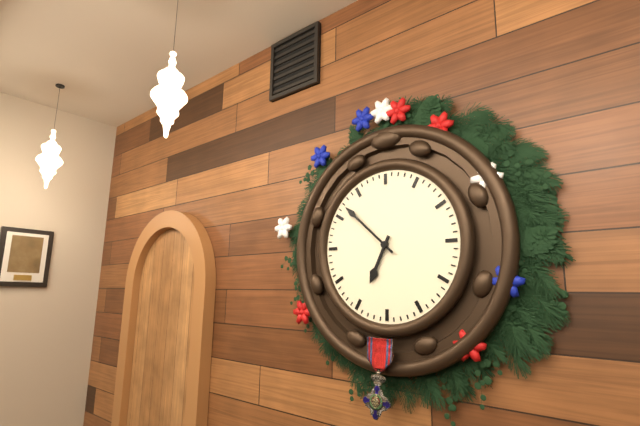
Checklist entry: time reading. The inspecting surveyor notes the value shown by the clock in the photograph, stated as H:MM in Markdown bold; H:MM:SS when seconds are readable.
**6:52**
